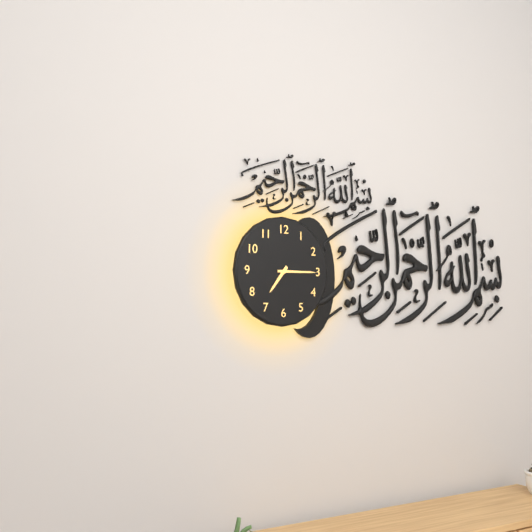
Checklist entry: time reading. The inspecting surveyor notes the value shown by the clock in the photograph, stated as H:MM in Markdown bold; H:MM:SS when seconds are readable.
**7:15**
